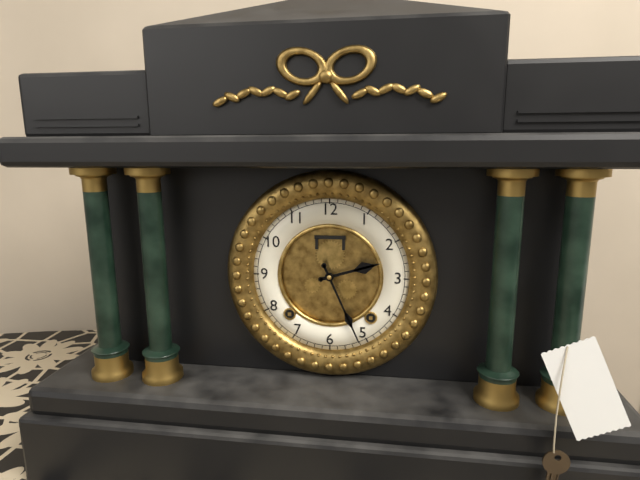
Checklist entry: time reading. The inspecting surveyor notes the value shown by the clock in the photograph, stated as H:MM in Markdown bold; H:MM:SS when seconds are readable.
**2:26**
